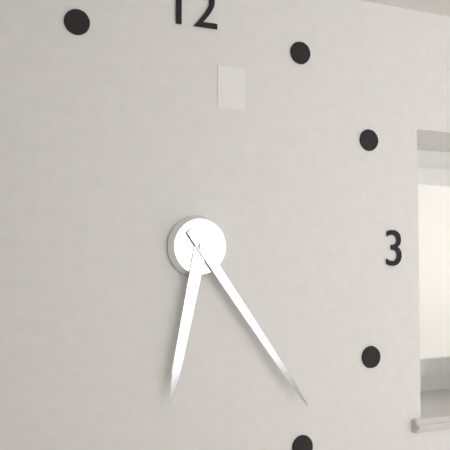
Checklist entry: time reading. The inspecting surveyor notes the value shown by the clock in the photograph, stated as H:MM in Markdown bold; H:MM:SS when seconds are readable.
**6:24**
